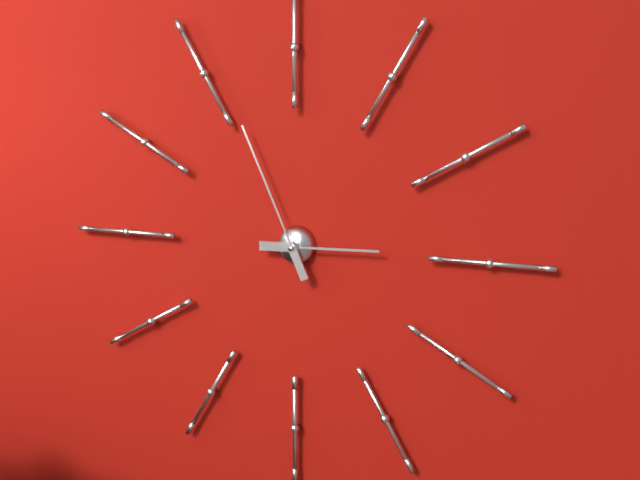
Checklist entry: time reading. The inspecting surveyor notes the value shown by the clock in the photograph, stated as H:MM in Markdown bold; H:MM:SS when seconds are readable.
**2:56**
